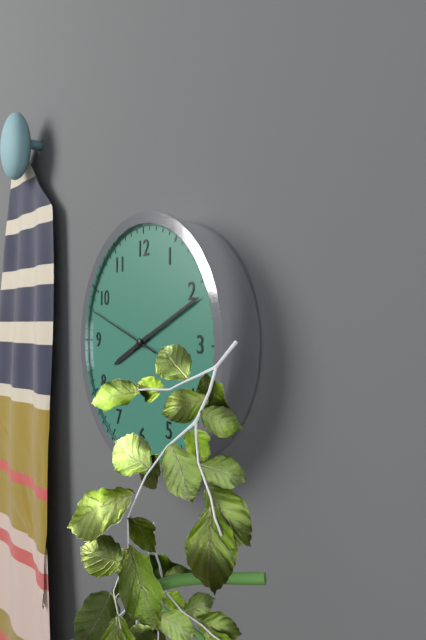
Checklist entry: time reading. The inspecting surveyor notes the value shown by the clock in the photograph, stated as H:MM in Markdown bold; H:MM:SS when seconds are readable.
**8:11:48**
